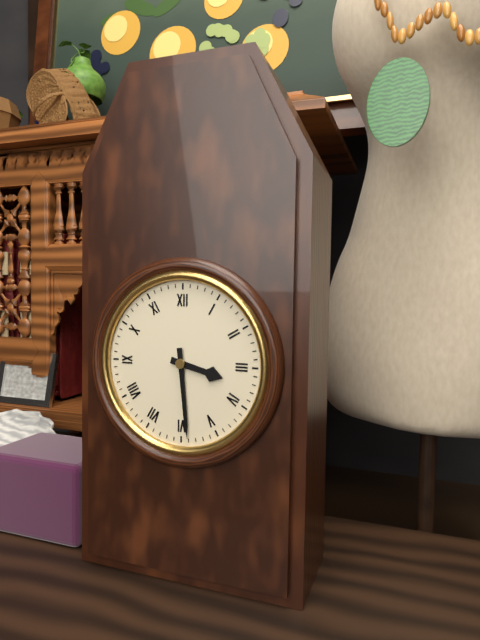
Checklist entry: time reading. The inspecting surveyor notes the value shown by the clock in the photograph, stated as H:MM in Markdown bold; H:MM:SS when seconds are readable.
**3:29**
